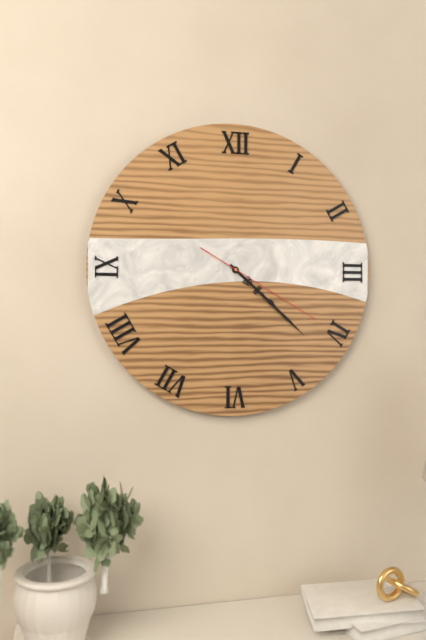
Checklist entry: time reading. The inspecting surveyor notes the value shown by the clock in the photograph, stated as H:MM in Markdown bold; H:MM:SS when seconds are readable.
**4:22:20**
